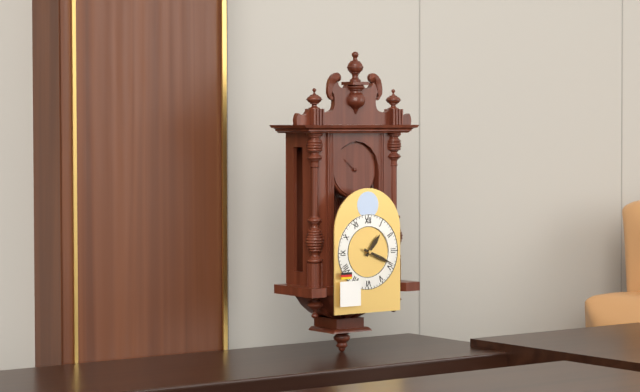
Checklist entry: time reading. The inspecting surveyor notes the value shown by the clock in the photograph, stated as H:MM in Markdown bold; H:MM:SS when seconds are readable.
**1:19**
